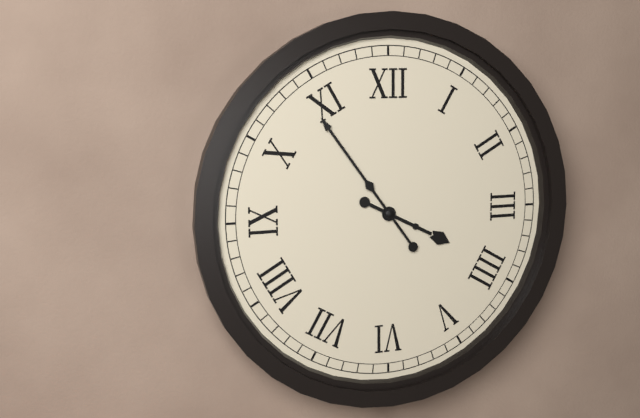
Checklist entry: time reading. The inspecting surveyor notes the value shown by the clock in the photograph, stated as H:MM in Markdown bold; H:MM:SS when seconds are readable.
**3:54**
